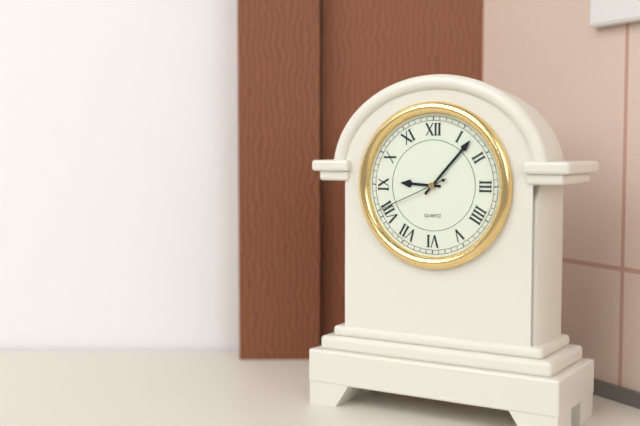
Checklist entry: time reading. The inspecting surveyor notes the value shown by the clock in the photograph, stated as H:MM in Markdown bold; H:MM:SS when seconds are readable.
**9:07:41**
